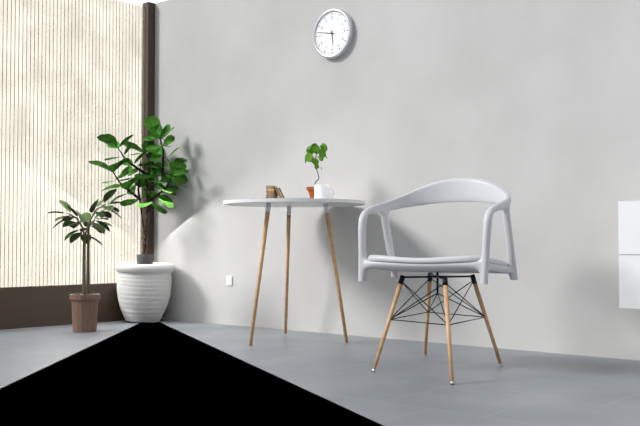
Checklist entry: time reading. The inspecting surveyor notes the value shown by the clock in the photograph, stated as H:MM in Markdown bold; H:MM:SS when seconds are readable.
**5:47**
